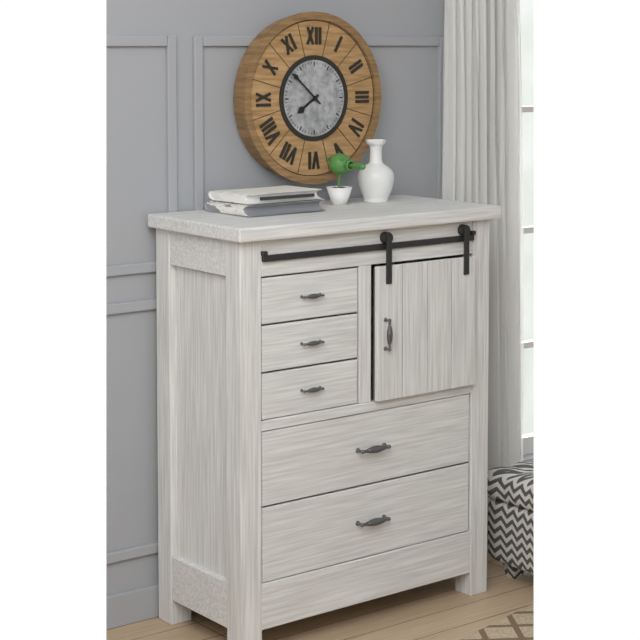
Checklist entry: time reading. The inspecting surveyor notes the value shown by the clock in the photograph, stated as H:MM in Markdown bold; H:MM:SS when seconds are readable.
**7:52**
